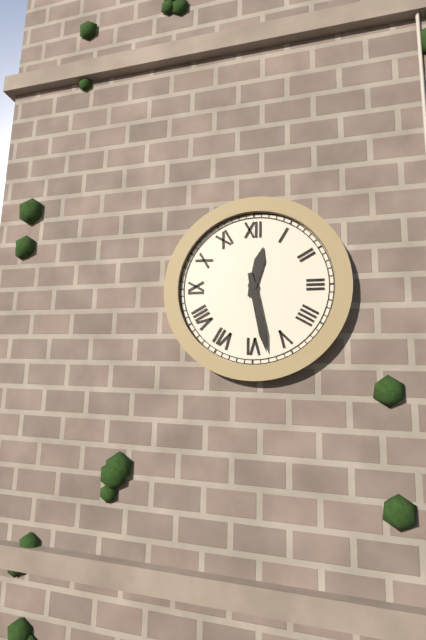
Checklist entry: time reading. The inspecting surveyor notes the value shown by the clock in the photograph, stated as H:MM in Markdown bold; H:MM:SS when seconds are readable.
**12:28**
